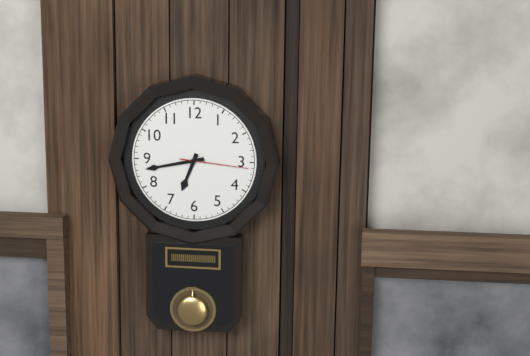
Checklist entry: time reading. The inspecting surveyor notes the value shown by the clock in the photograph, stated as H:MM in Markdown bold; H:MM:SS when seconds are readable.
**6:43:16**
